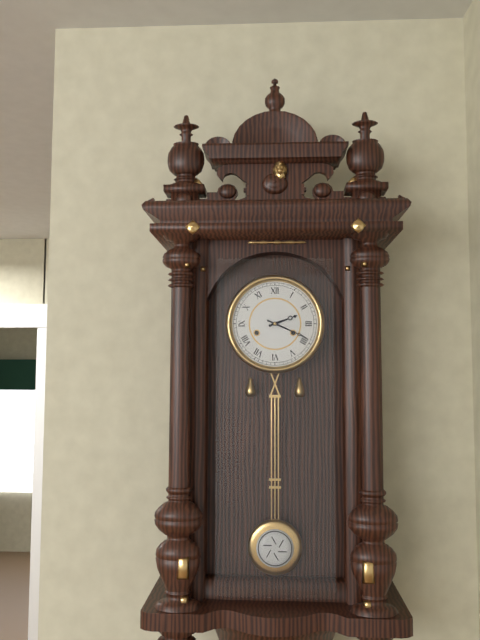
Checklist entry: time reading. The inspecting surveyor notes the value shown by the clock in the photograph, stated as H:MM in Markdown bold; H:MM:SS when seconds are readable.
**2:19**
